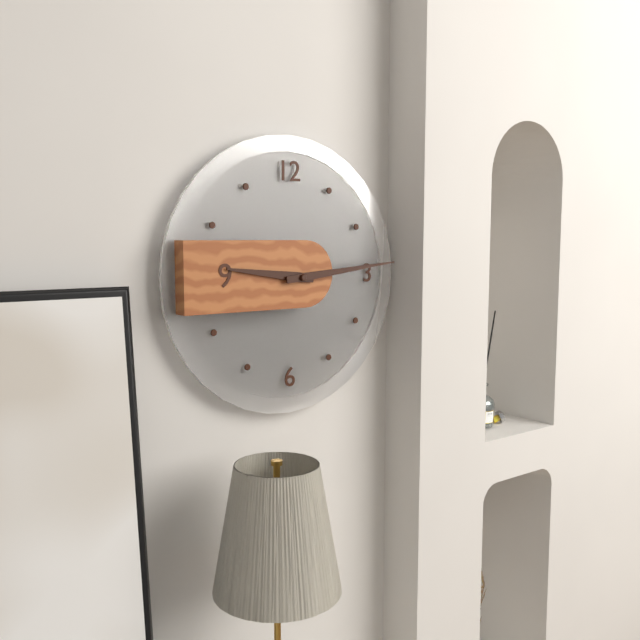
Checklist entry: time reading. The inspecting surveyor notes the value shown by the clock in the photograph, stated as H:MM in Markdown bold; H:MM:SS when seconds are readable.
**9:14**
